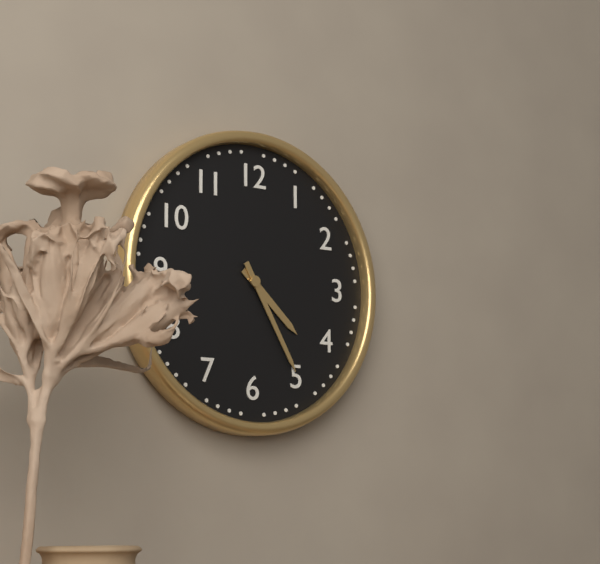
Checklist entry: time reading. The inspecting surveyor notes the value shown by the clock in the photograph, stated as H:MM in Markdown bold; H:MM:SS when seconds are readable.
**4:25**
